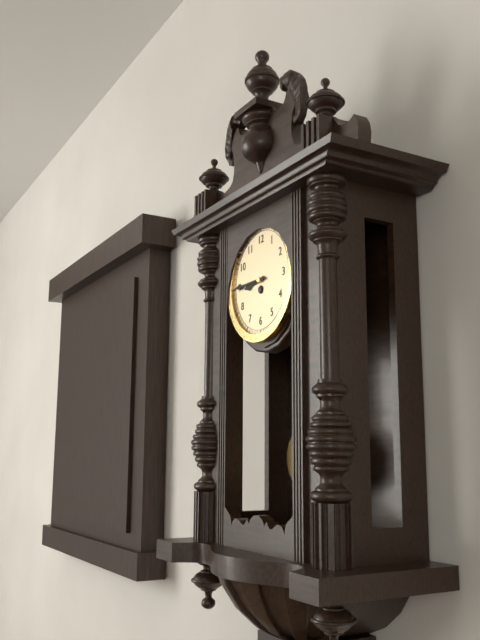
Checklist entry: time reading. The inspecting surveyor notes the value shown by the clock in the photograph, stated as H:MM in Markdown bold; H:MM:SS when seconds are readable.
**8:45**
